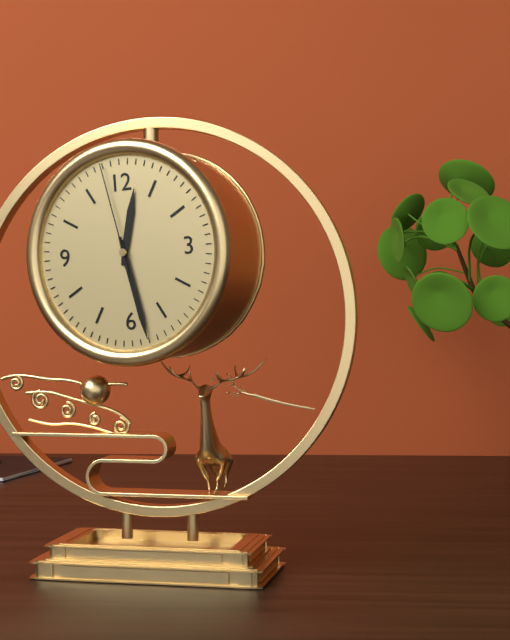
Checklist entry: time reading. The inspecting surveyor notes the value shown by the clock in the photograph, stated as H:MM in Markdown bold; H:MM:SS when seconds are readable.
**12:28:58**
